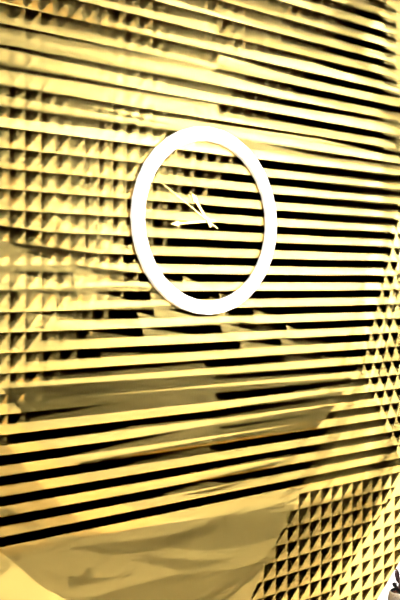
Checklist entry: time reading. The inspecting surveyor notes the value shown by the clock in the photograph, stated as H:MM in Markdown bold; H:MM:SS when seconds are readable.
**10:44:50**
